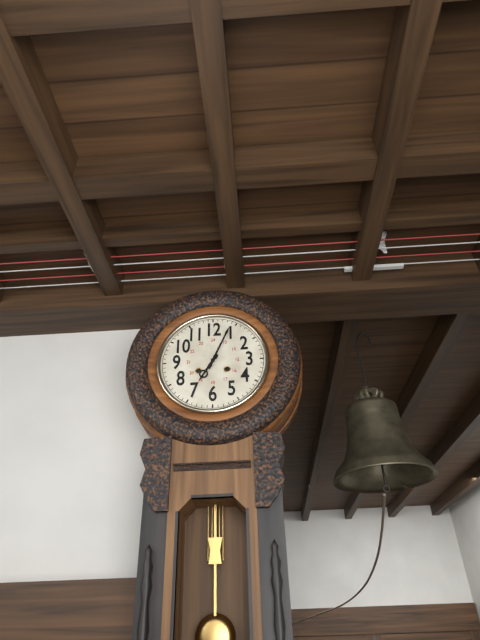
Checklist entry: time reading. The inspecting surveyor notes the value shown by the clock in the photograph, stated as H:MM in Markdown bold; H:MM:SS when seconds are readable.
**7:04**
